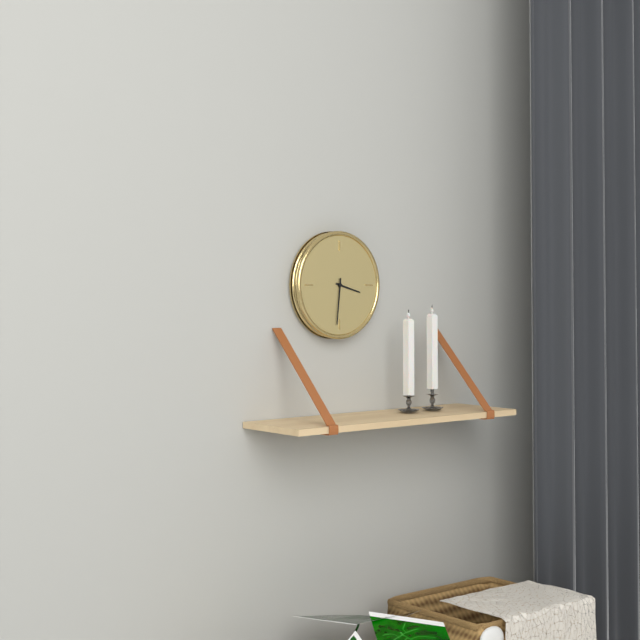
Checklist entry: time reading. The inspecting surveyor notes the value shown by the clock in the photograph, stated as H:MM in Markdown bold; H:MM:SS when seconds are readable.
**3:31**
